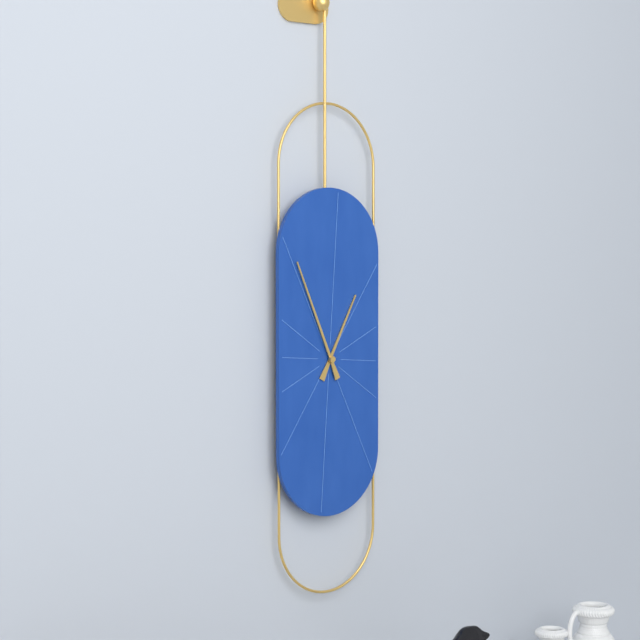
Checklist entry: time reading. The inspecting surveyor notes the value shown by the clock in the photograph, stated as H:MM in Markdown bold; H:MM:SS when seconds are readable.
**12:56**
